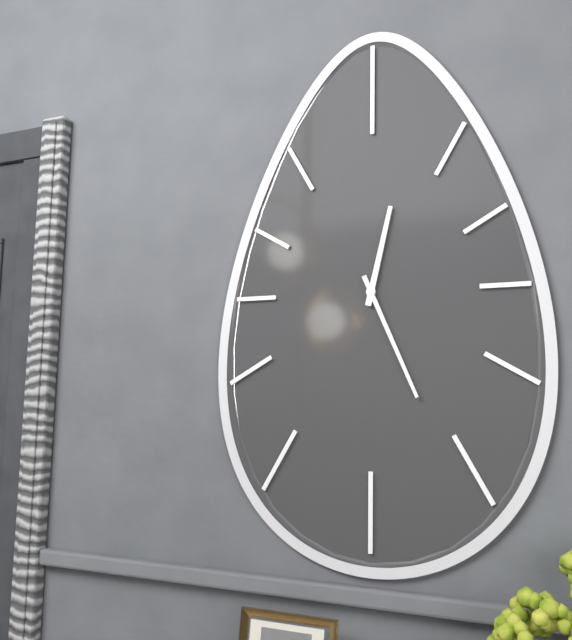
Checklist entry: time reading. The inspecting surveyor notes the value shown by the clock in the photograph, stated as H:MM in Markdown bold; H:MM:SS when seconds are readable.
**12:26**
